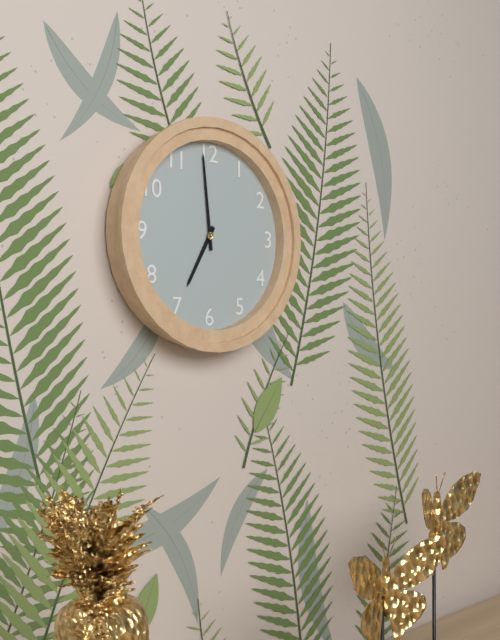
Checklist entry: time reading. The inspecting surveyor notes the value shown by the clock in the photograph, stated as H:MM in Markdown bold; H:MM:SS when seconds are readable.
**6:59**
